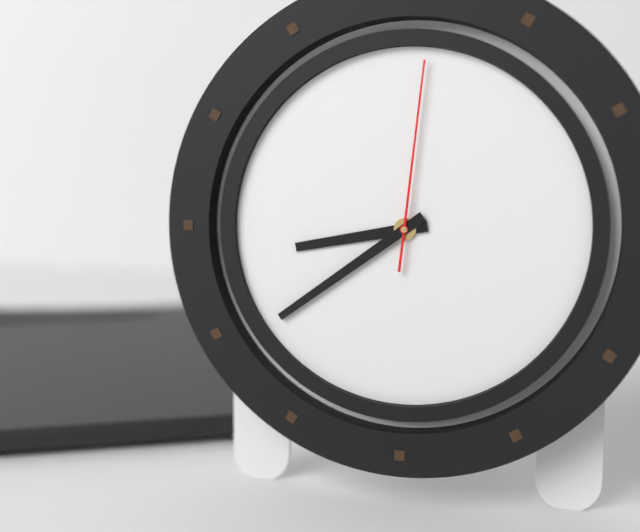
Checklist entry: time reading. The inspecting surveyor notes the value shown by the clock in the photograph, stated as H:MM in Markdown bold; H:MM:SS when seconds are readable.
**8:39:01**
